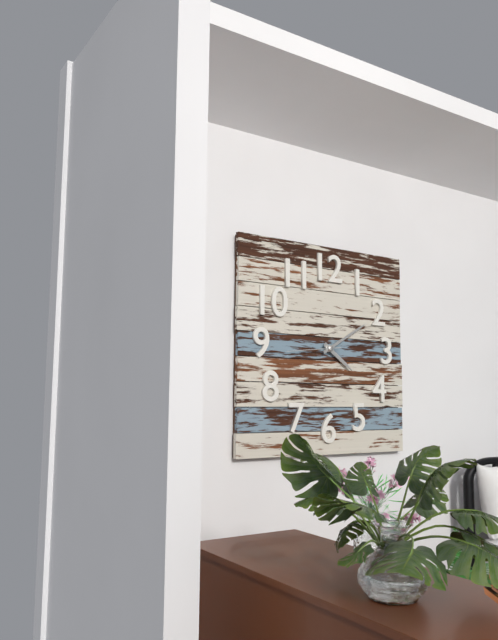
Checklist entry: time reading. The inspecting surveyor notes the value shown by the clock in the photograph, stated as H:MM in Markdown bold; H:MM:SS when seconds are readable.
**4:10:44**
